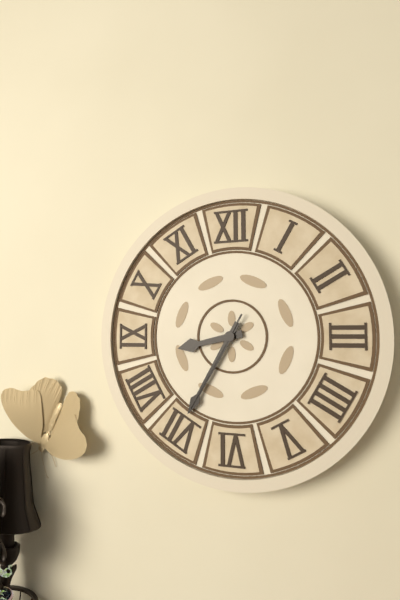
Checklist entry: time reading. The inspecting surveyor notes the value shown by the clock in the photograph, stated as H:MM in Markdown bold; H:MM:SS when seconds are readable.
**8:35:35**
